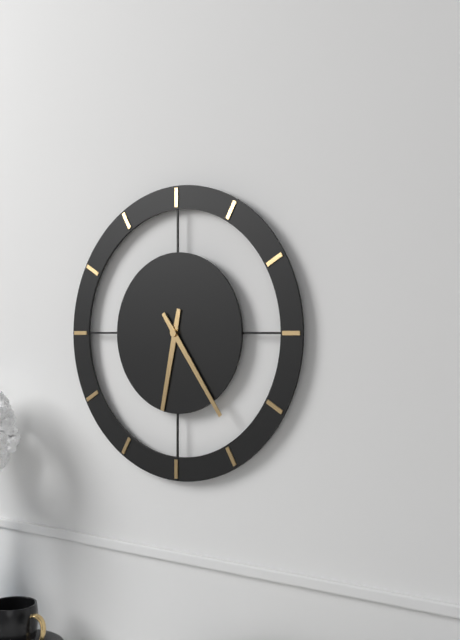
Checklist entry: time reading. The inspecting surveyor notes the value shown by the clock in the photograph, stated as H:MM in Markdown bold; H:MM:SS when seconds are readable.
**6:24**
